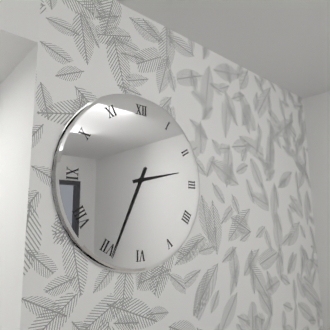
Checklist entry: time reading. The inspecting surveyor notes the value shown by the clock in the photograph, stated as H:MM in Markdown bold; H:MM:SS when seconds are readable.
**2:34**
